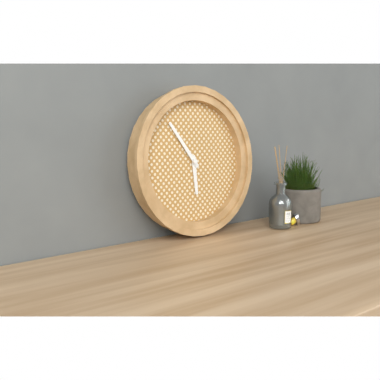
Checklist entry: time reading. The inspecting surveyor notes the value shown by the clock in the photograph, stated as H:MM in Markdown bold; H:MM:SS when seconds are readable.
**5:54**
